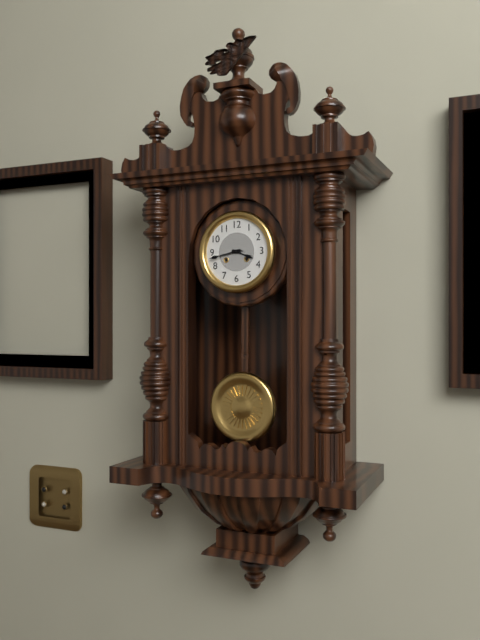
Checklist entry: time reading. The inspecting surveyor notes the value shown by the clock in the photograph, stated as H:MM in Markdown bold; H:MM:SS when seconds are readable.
**3:43**
